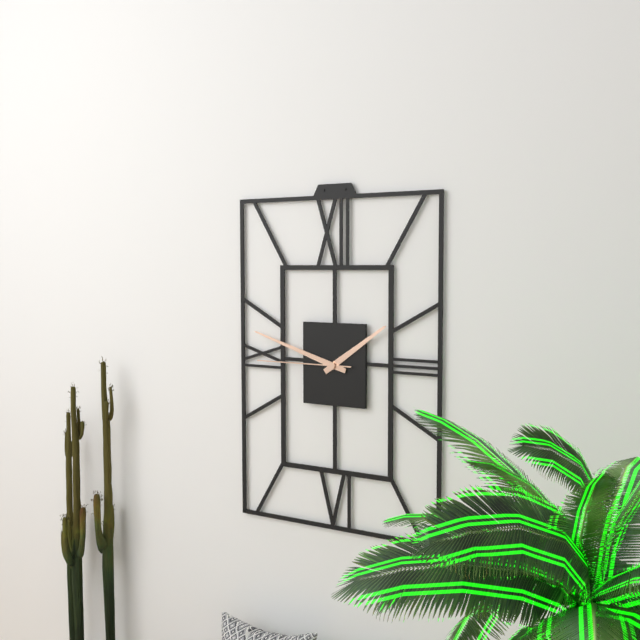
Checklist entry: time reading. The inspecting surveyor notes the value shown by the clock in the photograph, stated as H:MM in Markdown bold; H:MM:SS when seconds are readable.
**1:48:45**
